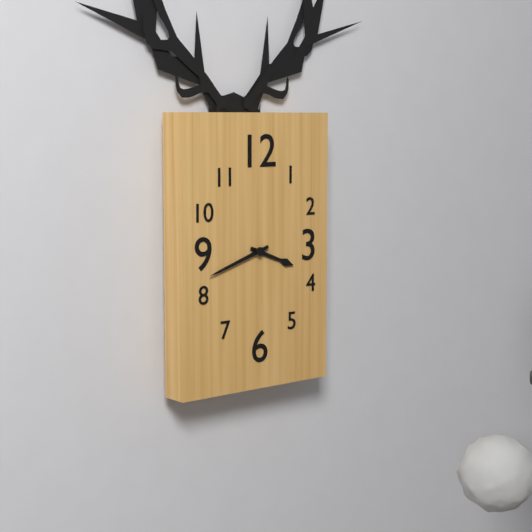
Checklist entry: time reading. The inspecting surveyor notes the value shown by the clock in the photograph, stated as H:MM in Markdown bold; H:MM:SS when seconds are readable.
**3:42**
